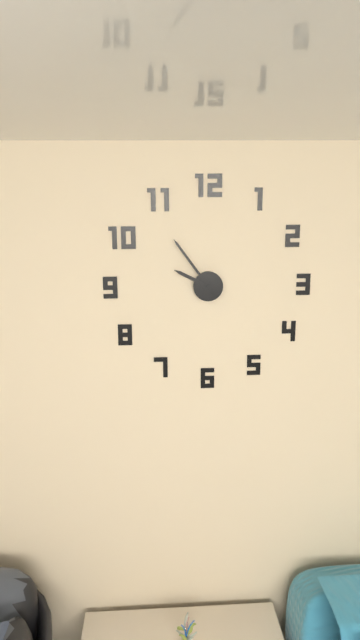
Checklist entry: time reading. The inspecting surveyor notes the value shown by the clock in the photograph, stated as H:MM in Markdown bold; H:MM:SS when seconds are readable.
**9:54**
